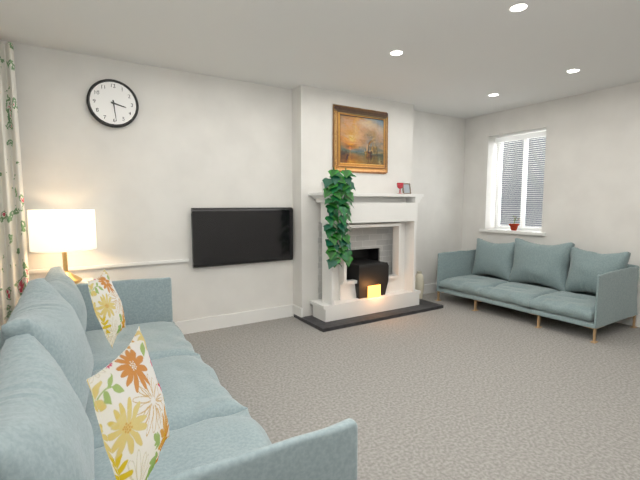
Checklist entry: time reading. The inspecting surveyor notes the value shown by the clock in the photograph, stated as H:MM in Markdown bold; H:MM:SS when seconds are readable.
**3:29**
